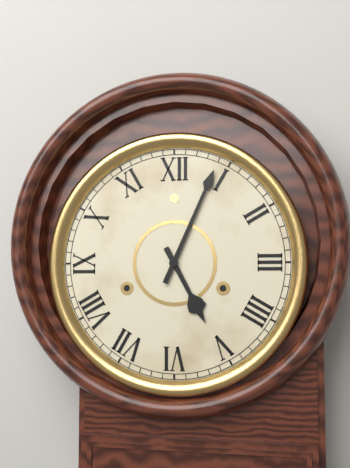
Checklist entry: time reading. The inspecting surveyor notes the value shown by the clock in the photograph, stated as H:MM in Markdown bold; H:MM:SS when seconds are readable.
**5:04**
